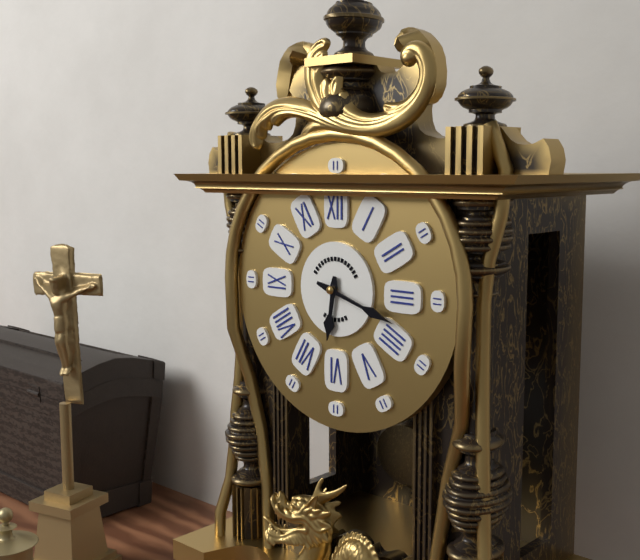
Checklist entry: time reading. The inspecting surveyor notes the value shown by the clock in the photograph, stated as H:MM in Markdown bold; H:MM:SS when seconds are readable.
**6:18**
